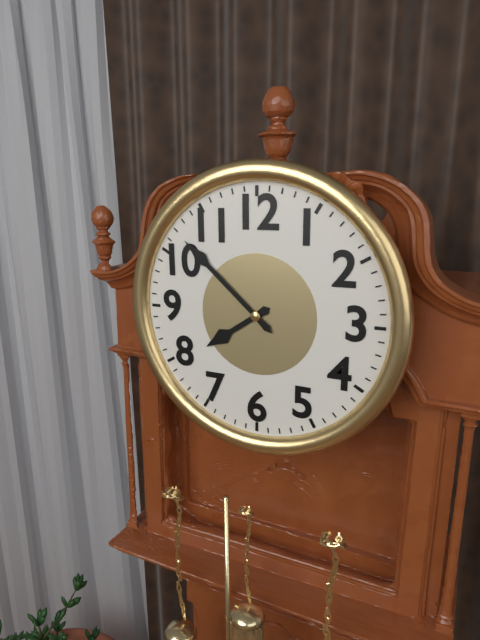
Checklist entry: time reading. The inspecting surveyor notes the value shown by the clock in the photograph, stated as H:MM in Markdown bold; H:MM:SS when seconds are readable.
**7:52**
